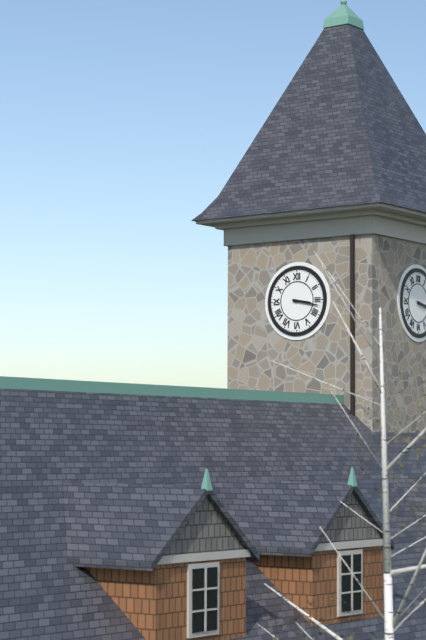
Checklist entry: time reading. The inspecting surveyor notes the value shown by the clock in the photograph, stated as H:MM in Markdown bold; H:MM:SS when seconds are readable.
**3:17**
